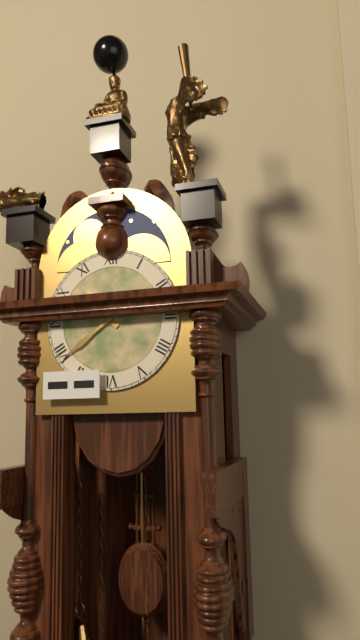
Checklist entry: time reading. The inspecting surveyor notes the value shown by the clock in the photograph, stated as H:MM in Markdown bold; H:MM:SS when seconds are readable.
**10:39**
